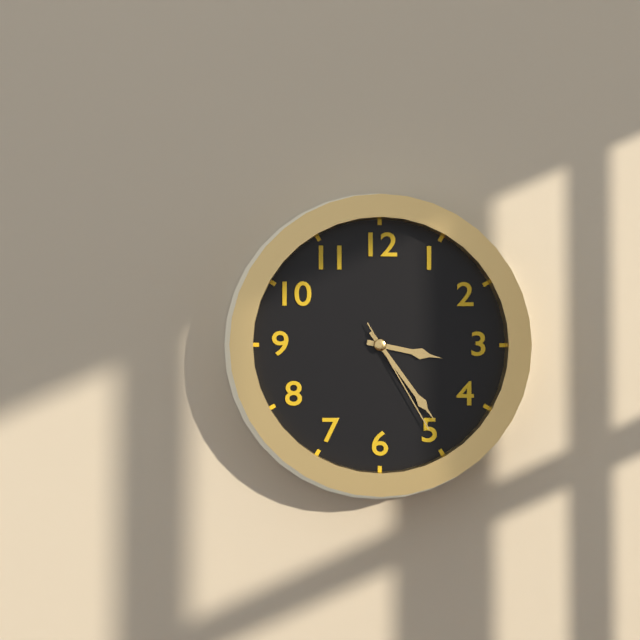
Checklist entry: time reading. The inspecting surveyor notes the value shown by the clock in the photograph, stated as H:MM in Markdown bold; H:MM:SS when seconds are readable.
**3:24:25**
